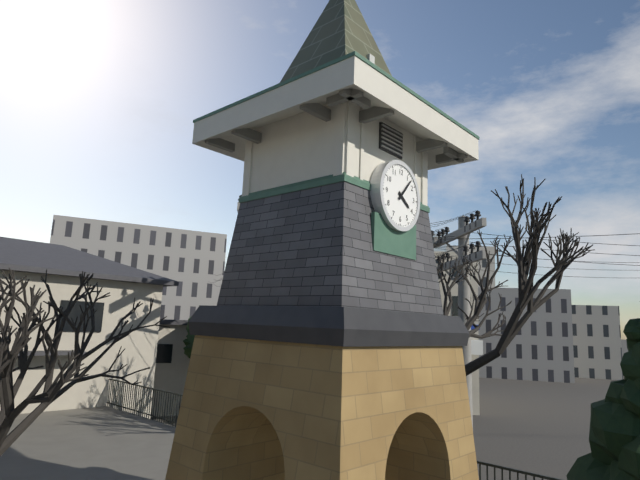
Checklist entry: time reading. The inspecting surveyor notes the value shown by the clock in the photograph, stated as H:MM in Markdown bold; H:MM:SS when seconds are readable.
**4:07**
